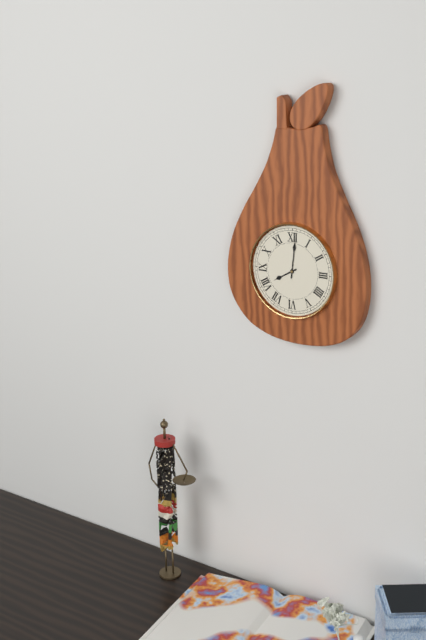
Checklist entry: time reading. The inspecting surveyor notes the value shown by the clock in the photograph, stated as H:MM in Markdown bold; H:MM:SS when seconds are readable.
**8:01**
